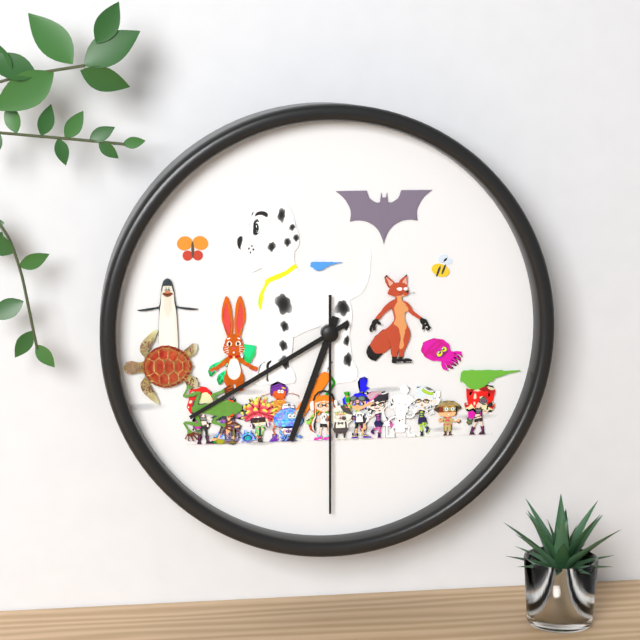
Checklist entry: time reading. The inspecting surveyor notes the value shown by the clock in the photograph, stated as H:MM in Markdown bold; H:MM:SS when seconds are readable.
**6:40:30**
